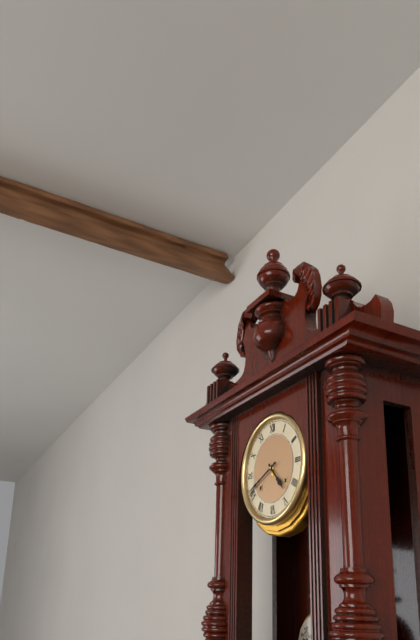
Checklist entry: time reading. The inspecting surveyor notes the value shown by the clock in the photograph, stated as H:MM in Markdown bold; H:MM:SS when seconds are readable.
**4:41**
